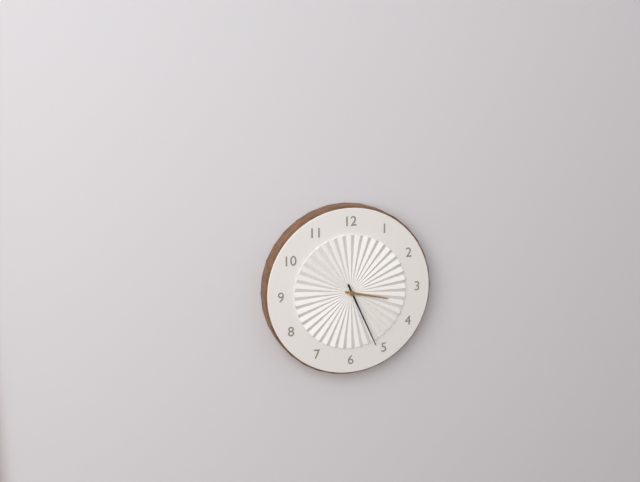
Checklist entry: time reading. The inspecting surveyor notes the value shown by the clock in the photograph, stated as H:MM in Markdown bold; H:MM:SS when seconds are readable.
**3:26**
